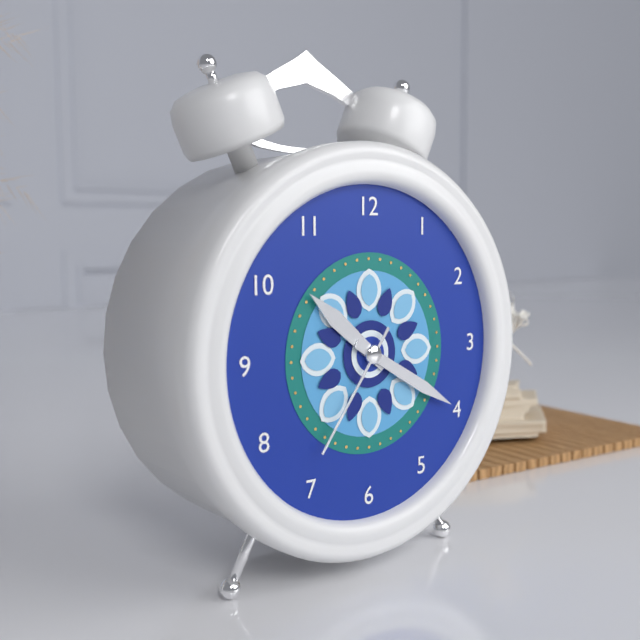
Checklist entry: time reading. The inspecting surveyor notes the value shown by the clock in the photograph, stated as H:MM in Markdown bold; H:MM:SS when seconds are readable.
**10:20:36**
